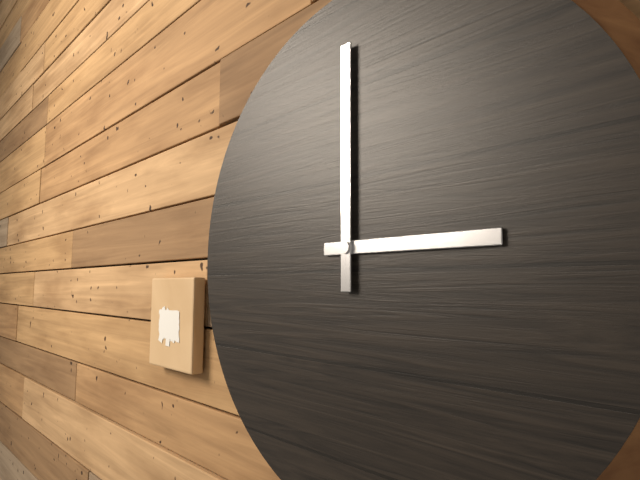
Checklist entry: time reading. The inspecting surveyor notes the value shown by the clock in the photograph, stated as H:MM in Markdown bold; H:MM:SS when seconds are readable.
**3:00**
